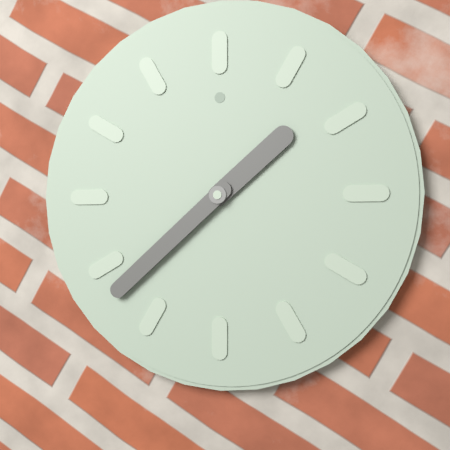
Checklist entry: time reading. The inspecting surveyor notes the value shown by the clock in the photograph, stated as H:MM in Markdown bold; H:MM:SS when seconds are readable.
**1:38**
